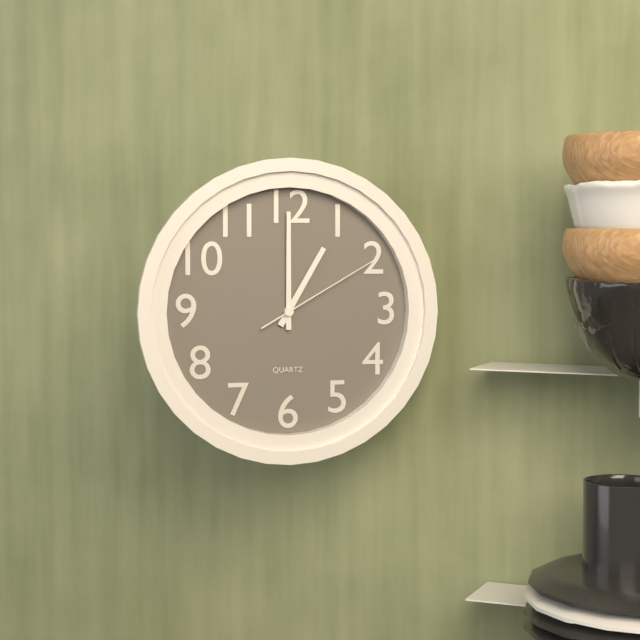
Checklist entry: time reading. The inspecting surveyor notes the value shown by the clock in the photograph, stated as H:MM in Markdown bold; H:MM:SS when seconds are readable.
**1:00:10**
